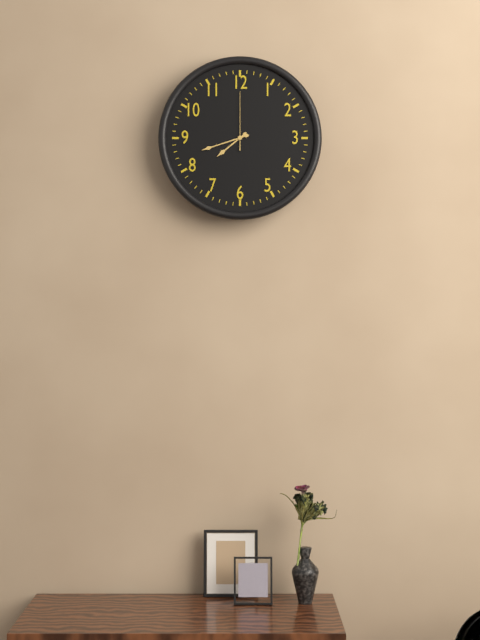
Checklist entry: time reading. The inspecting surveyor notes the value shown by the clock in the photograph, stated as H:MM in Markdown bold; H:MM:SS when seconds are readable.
**7:42:00**
